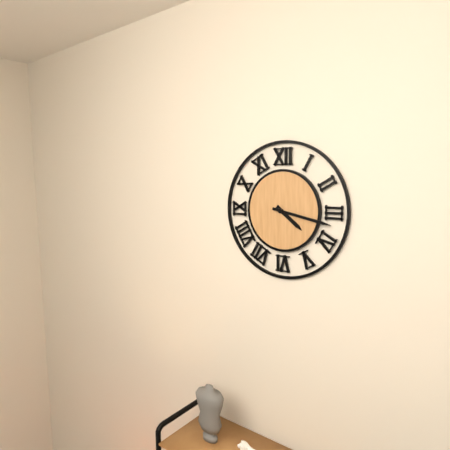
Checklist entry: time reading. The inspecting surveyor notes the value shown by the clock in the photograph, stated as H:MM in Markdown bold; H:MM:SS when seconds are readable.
**4:17**
